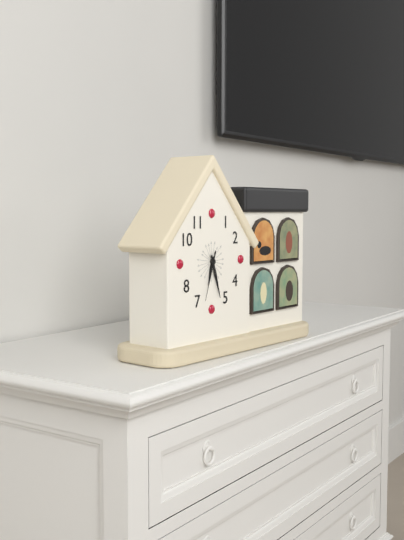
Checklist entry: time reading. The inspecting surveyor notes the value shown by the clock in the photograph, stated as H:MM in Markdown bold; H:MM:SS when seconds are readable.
**6:27:33**
